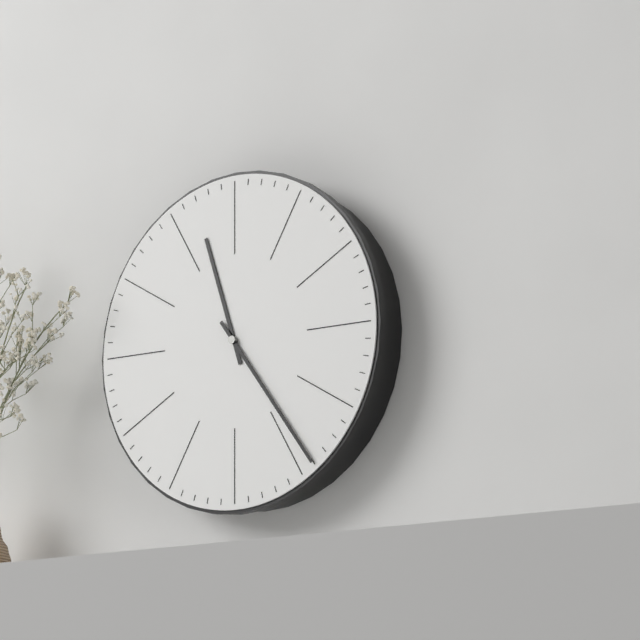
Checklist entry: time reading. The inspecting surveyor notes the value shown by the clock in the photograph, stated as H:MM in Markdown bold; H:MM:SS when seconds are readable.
**11:24**
